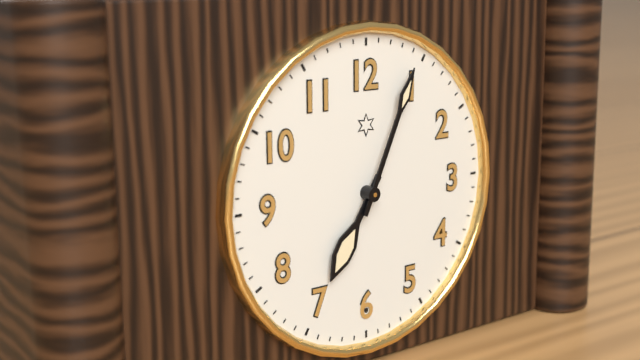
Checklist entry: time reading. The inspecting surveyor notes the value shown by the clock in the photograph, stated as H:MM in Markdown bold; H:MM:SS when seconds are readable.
**7:04**
